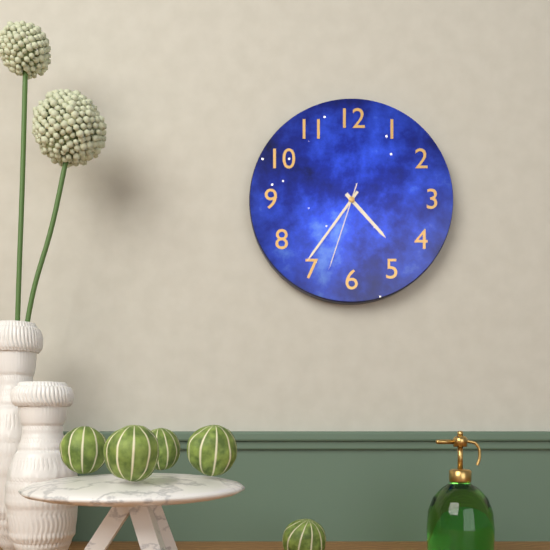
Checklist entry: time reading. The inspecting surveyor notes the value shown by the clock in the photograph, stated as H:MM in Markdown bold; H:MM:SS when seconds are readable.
**4:36:33**
